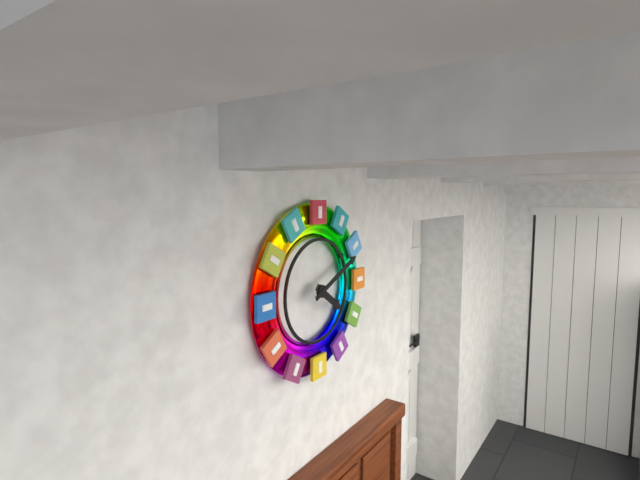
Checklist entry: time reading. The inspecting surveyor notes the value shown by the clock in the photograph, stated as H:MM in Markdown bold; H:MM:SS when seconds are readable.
**4:11**
